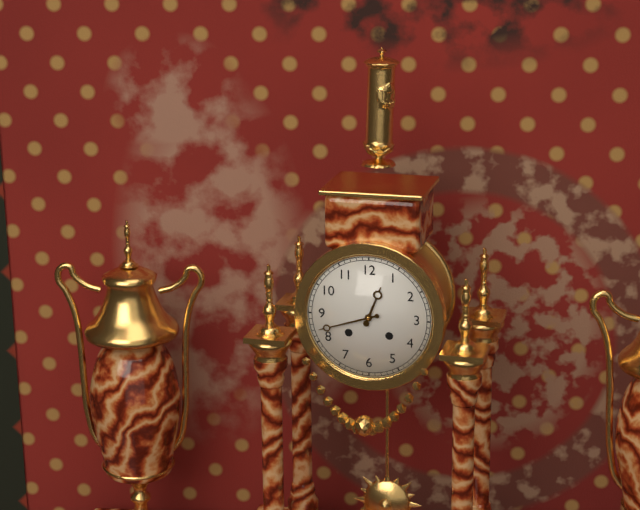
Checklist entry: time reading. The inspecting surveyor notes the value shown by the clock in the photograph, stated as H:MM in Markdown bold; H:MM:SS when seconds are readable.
**12:42**
